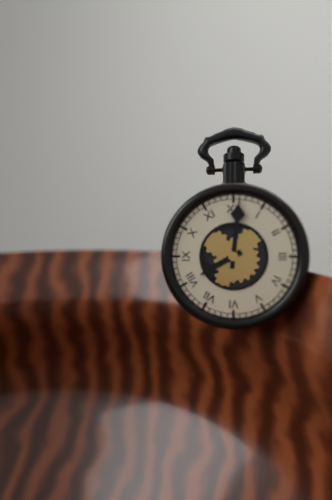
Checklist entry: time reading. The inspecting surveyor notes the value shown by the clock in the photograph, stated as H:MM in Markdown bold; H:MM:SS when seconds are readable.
**8:01**
